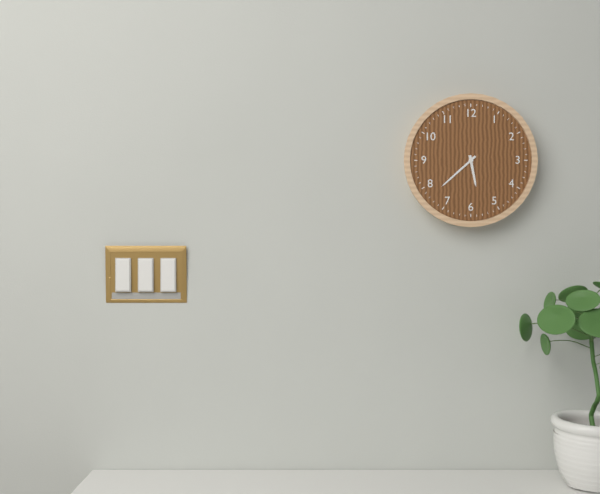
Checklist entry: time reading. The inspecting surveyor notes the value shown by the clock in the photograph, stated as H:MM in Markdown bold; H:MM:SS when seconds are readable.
**5:38**
